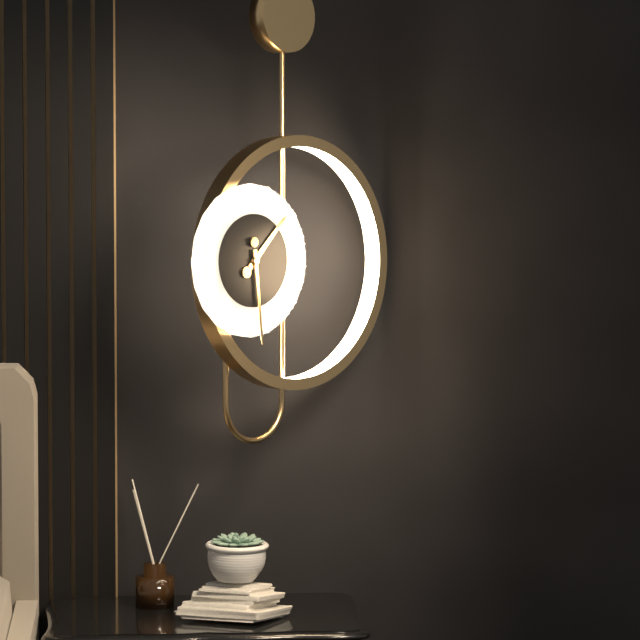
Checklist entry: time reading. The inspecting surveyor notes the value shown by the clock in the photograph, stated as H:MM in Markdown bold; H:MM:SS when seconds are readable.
**1:29**
